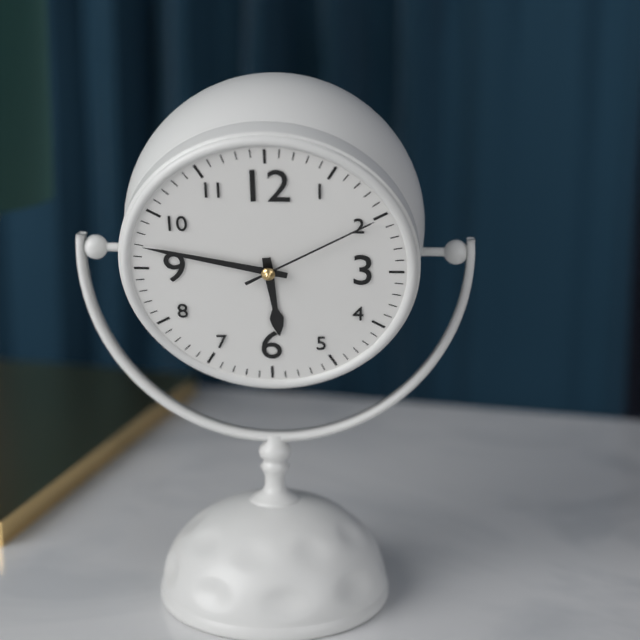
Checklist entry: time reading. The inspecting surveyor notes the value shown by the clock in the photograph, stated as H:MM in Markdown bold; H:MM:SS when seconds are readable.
**5:47:10**
